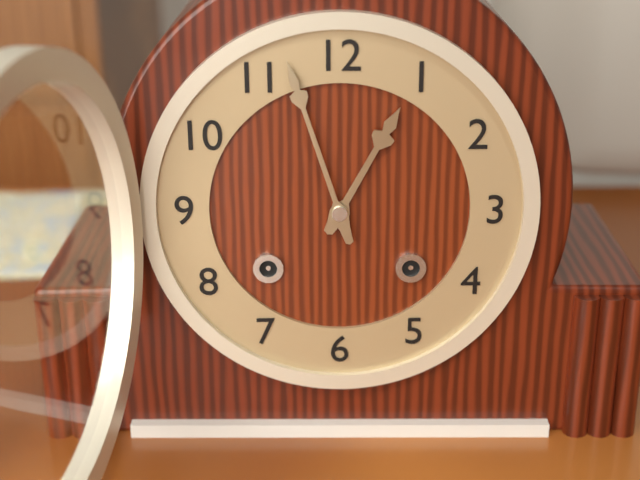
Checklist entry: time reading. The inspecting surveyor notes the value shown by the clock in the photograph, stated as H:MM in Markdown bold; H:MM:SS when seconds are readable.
**12:57**
